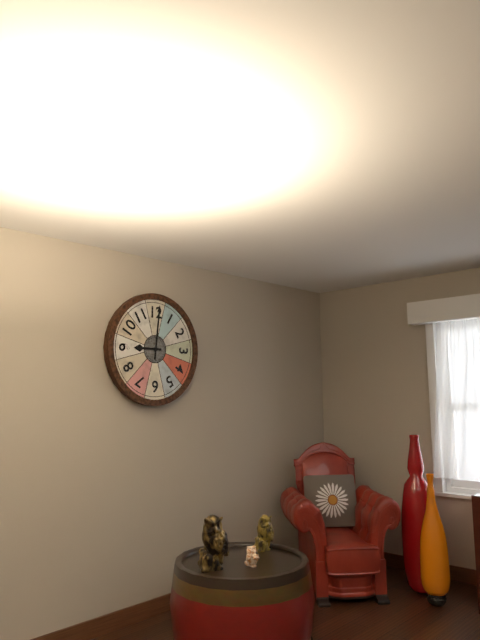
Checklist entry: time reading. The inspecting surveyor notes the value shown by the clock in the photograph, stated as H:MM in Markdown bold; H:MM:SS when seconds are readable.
**9:01**
